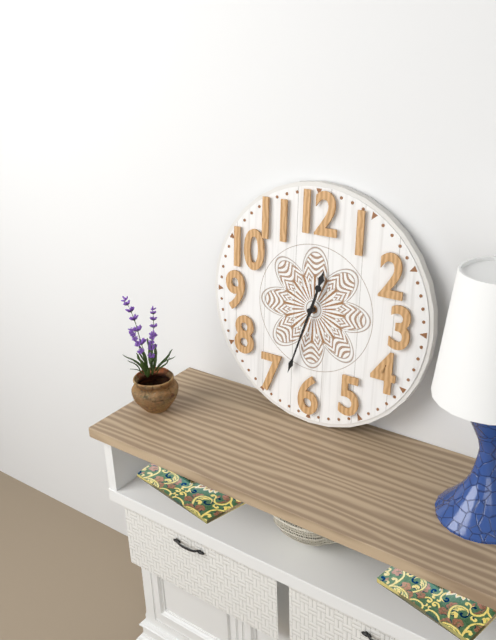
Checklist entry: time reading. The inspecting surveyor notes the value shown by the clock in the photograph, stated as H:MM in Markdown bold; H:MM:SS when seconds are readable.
**12:33**
